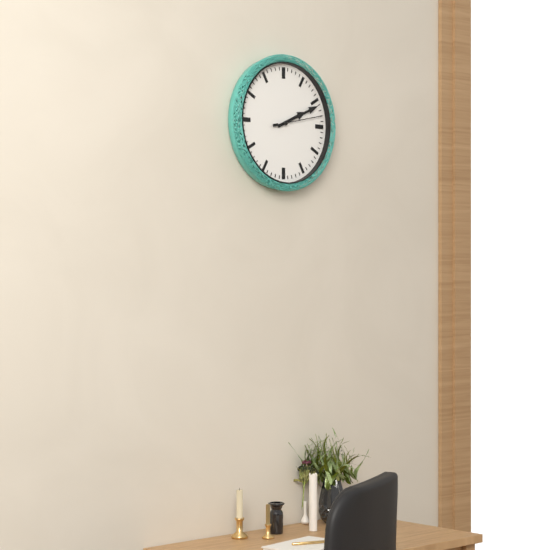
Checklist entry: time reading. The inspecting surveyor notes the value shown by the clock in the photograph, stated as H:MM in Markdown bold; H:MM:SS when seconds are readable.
**2:11**
